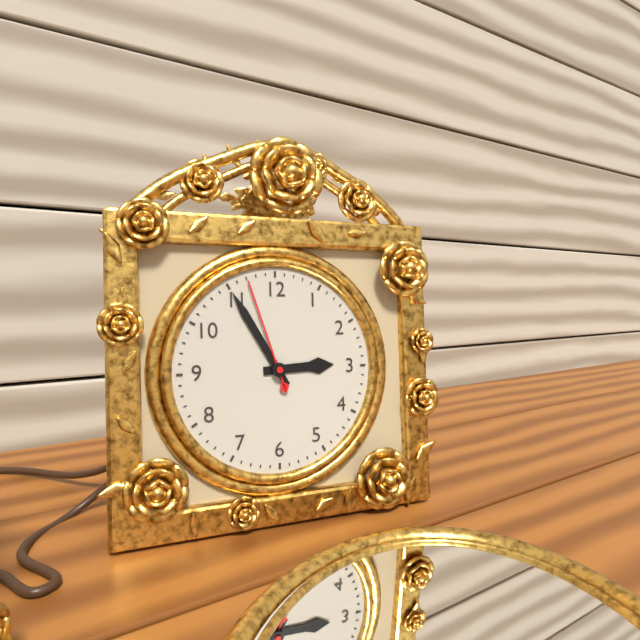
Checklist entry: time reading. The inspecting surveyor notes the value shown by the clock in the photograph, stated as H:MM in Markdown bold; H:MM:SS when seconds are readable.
**2:55:57**
